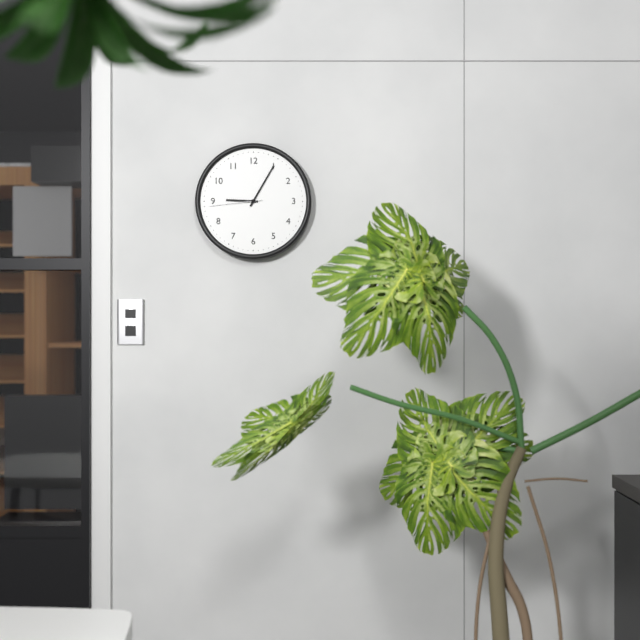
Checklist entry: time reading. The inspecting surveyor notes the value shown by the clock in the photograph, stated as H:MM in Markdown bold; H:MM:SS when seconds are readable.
**9:05:44**
